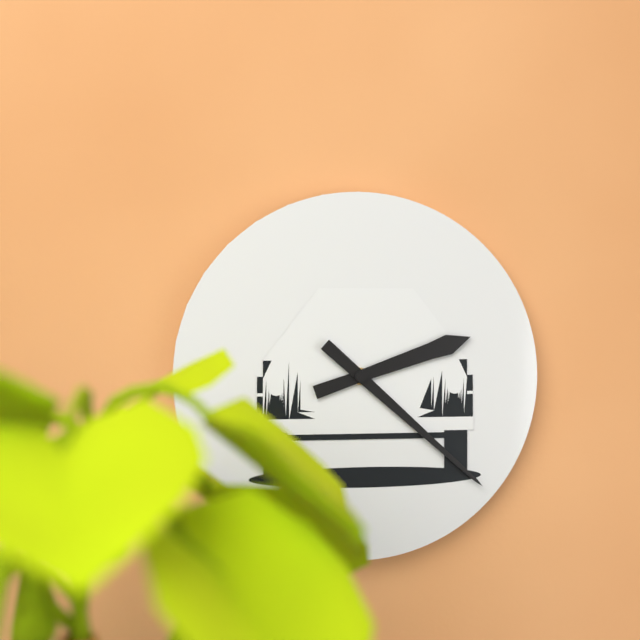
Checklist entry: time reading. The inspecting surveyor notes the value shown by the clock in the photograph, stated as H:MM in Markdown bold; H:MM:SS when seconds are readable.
**2:22**
